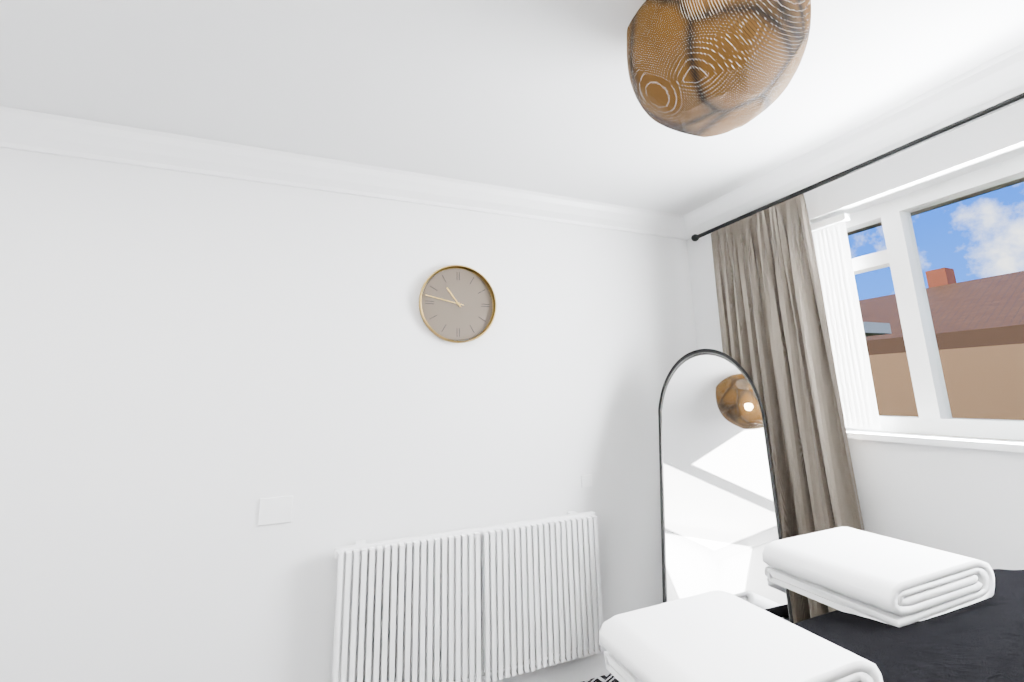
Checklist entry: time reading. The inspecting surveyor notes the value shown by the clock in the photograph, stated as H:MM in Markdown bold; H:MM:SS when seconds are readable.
**10:47**
